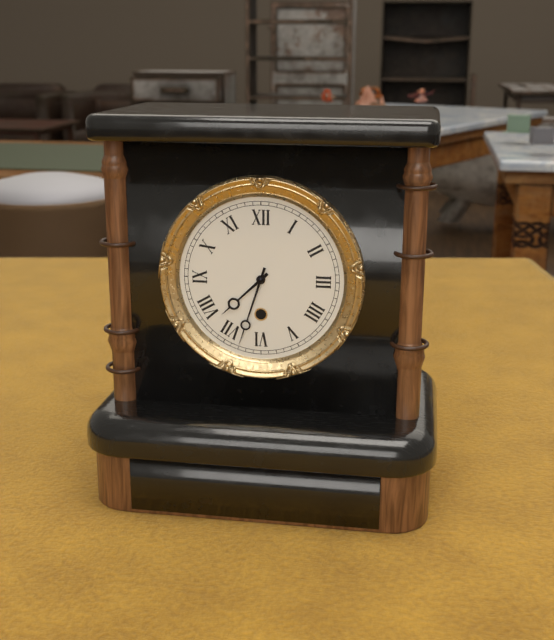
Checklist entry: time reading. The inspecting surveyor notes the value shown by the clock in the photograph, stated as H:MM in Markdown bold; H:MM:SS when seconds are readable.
**7:33**
